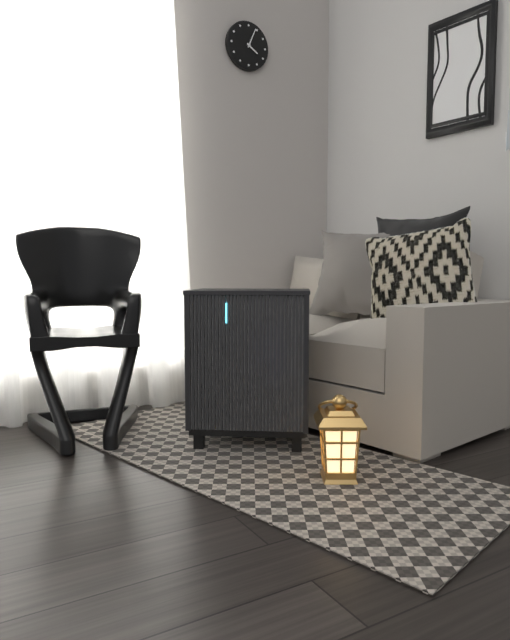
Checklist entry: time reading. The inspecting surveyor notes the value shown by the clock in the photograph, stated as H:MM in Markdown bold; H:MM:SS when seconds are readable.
**4:04**
